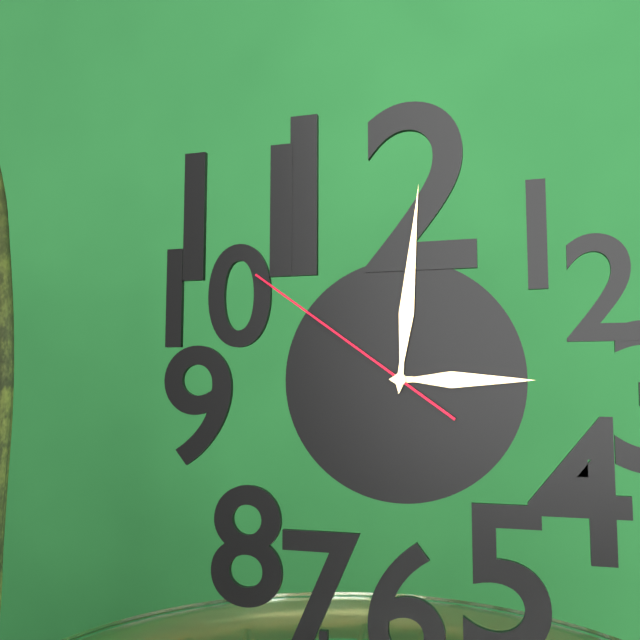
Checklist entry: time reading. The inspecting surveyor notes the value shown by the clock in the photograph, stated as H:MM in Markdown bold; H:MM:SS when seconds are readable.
**3:01:51**
